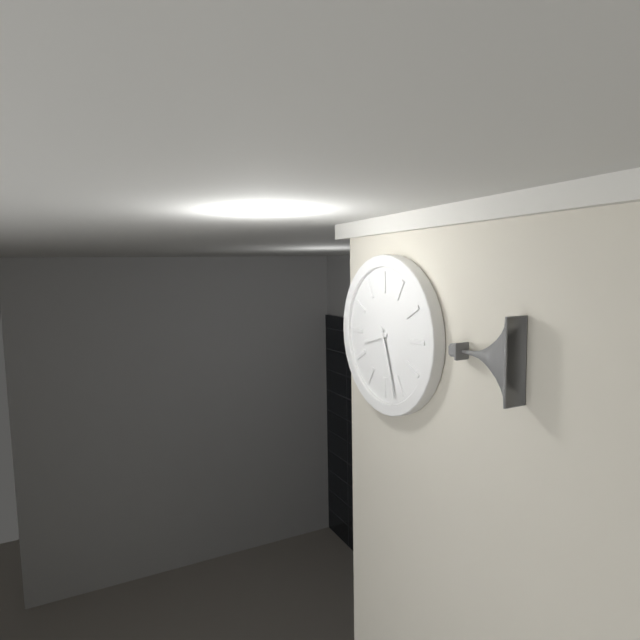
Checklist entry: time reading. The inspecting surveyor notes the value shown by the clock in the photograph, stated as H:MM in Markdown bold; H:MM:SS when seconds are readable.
**8:27**
